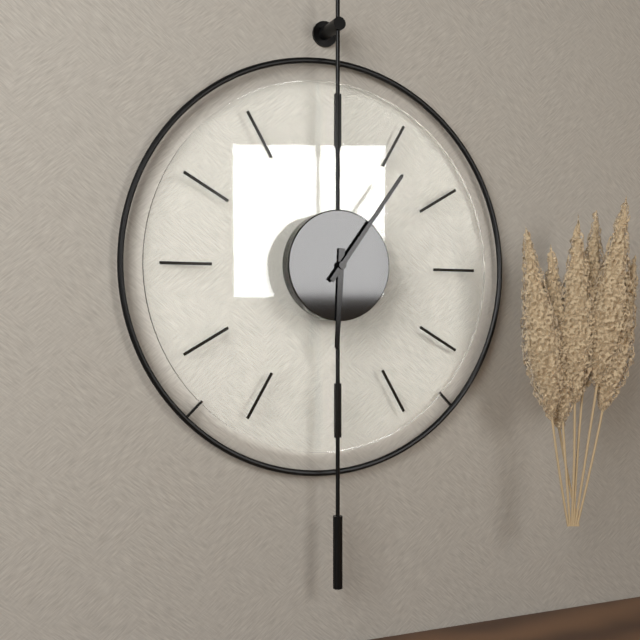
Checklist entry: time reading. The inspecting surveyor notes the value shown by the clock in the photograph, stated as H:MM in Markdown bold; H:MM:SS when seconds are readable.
**6:06**
